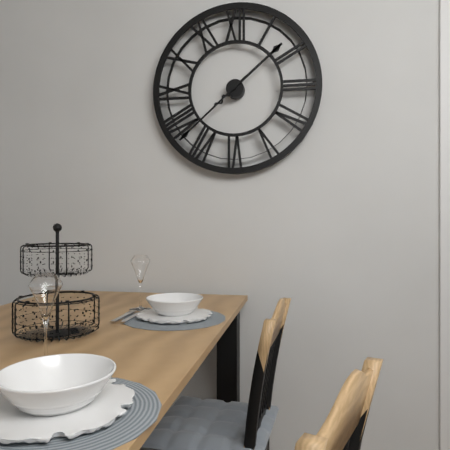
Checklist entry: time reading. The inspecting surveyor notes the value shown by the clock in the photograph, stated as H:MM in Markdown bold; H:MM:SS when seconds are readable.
**1:38**
